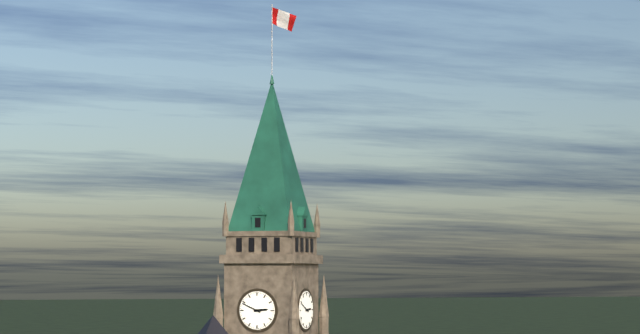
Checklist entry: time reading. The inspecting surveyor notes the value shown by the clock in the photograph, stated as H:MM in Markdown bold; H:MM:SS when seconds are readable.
**2:49**
